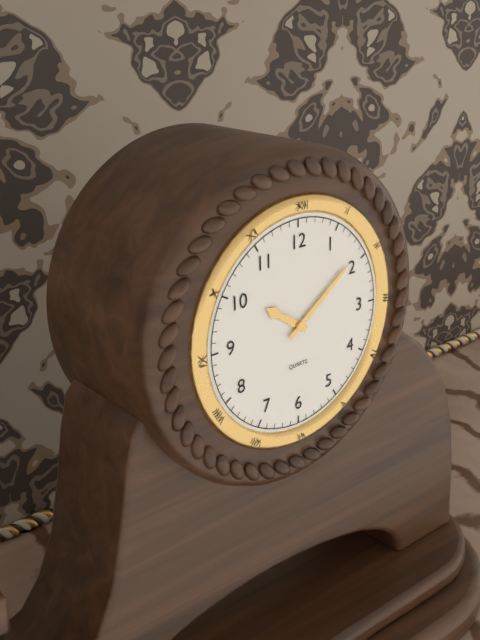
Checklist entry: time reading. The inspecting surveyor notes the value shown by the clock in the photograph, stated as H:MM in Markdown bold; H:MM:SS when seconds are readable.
**10:09**
